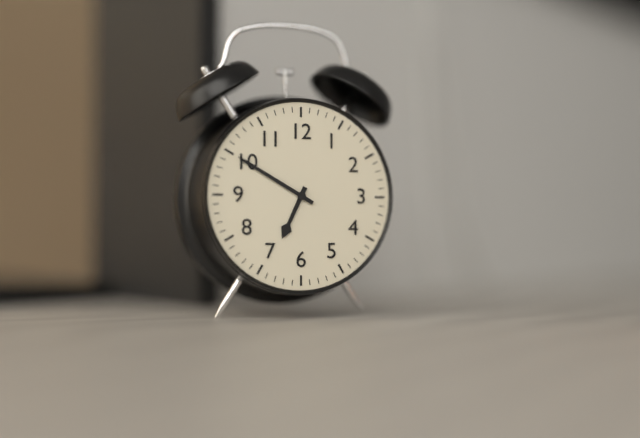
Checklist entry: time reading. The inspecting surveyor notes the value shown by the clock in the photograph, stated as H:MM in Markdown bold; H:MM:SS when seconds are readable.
**6:50**
